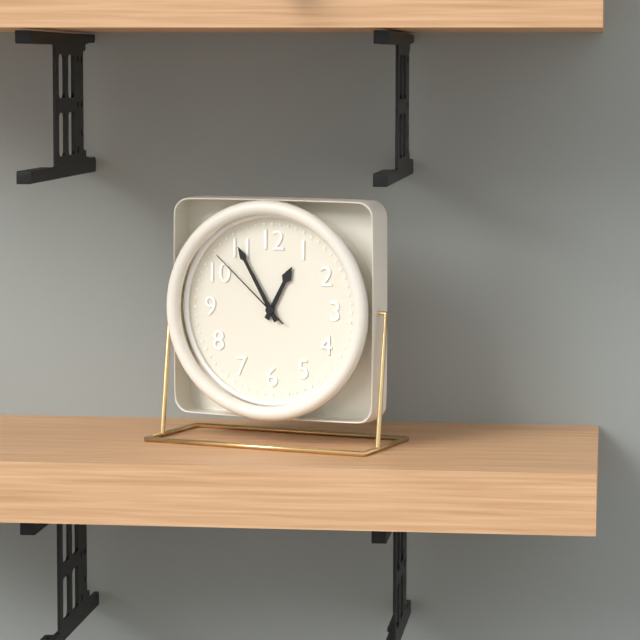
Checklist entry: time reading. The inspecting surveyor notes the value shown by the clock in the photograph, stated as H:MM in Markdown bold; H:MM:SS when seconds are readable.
**12:55:52**
